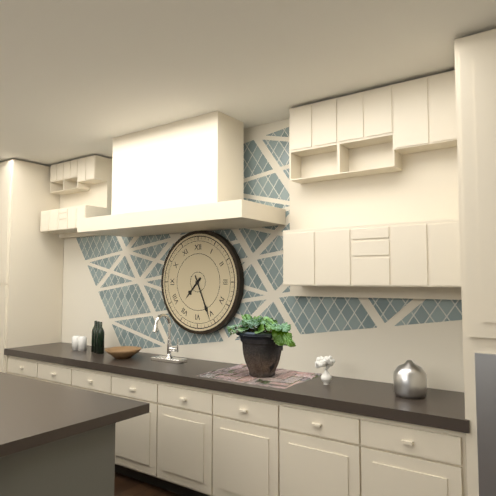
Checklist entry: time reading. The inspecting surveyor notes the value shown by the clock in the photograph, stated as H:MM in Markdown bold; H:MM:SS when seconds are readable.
**7:26**
